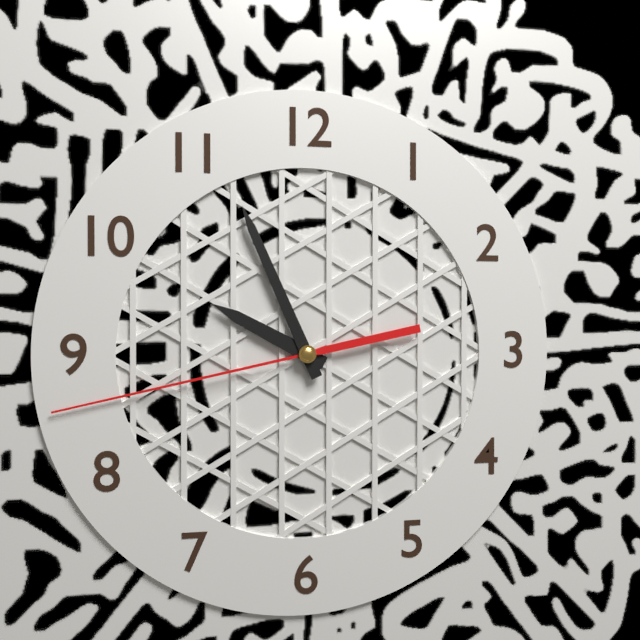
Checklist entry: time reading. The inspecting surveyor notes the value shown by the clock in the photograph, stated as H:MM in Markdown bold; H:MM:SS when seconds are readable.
**9:56:43**
